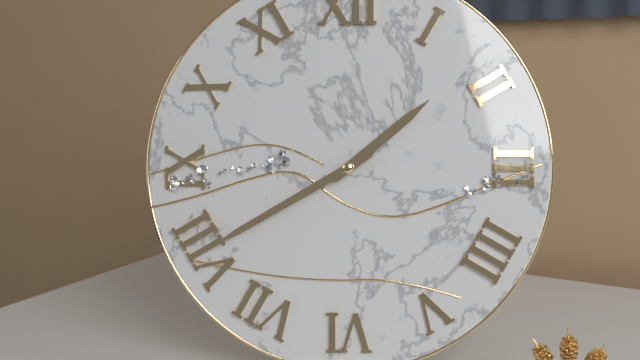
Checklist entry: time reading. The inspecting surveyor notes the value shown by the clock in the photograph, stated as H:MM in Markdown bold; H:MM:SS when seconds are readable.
**1:40**
